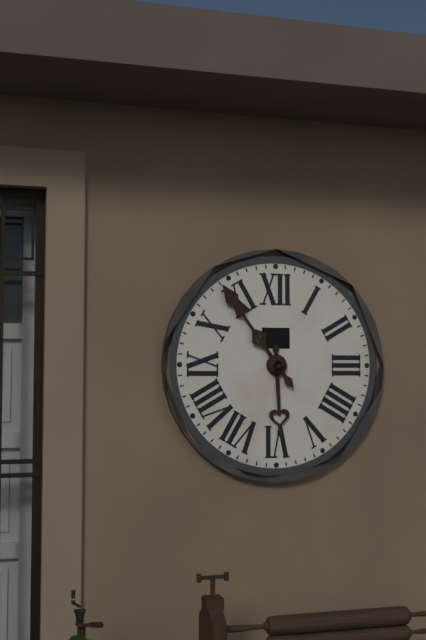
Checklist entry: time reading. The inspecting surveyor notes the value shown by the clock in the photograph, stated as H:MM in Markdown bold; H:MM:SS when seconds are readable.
**5:54**
